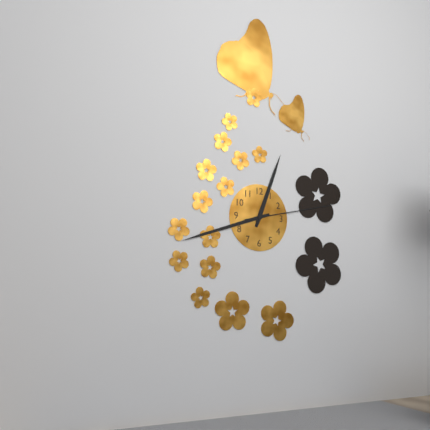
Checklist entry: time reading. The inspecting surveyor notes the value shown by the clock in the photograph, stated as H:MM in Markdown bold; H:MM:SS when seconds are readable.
**12:42:13**
